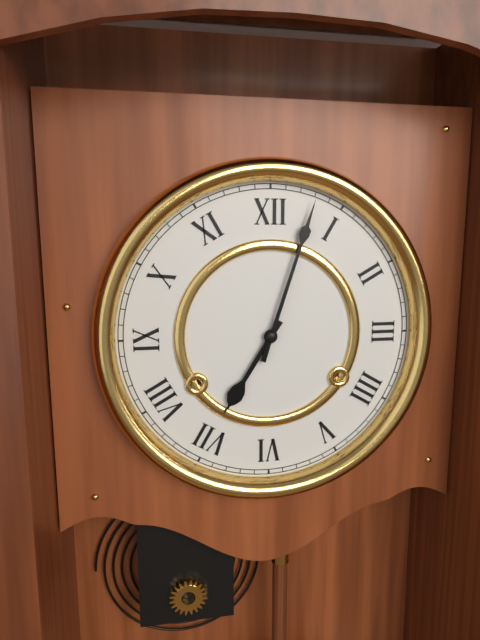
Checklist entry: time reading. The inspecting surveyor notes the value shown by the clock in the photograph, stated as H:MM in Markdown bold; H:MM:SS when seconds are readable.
**7:03**
